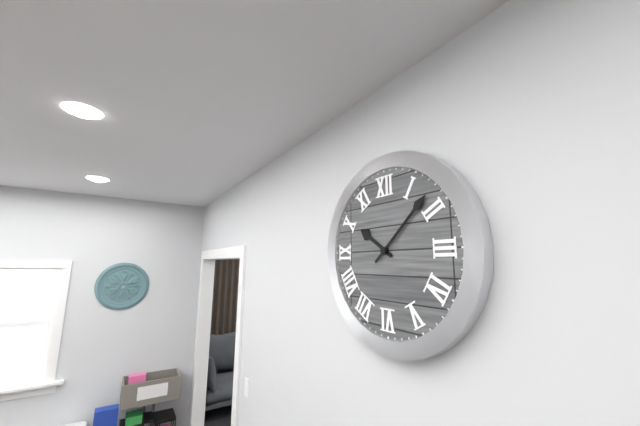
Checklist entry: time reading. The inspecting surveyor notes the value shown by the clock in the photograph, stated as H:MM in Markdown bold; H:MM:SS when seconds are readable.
**10:08**
